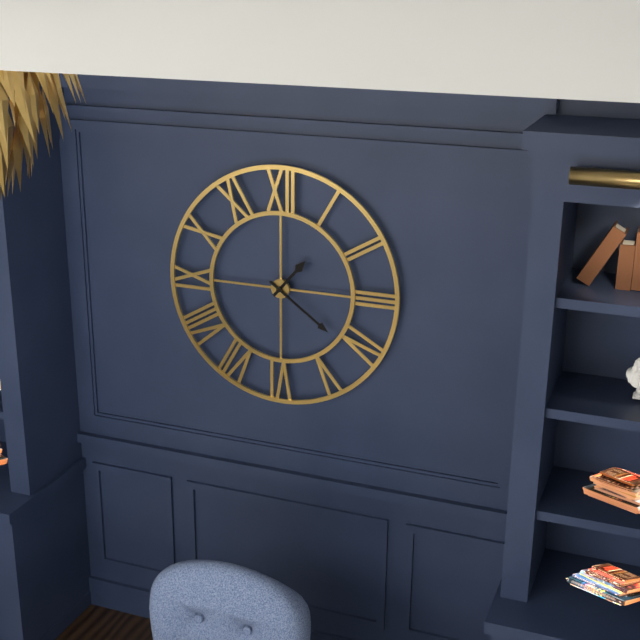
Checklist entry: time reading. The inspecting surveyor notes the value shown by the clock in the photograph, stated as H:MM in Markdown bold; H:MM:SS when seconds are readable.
**1:21**
